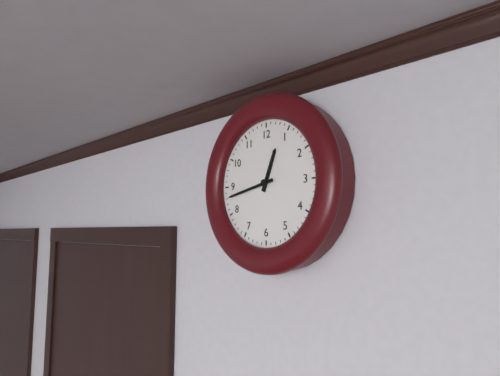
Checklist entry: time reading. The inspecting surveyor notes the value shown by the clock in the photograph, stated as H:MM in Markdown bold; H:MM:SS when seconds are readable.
**12:43**
